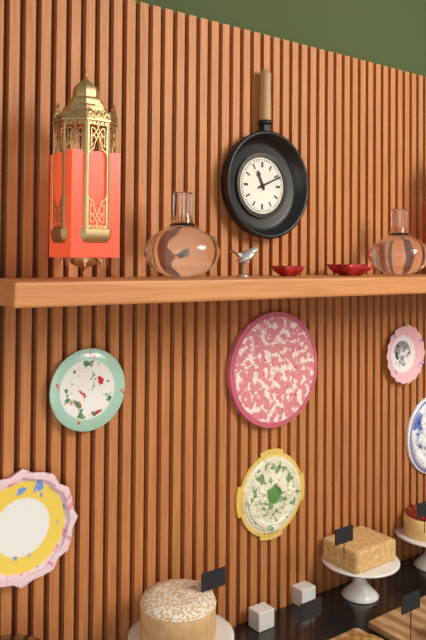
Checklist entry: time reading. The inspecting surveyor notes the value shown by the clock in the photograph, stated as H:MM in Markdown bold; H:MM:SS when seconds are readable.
**11:11**
